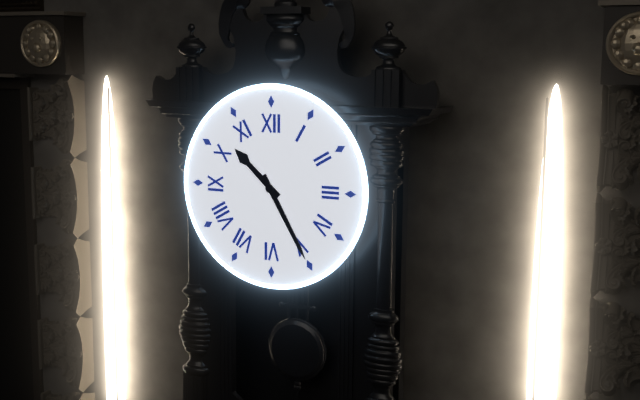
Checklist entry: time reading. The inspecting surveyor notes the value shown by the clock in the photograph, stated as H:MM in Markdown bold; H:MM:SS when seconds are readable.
**10:25**
